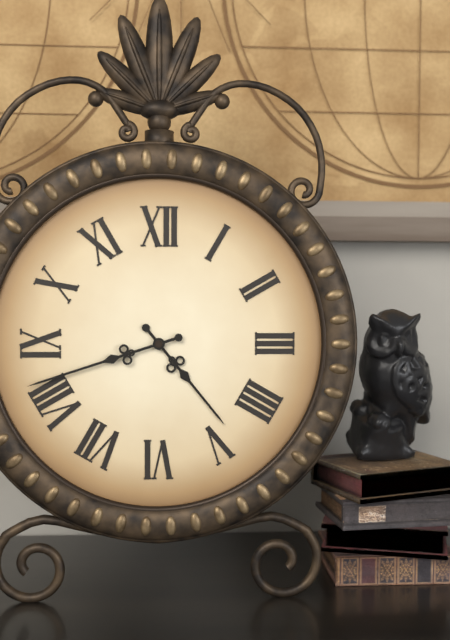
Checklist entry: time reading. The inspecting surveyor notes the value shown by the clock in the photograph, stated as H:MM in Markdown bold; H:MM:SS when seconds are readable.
**4:42**
